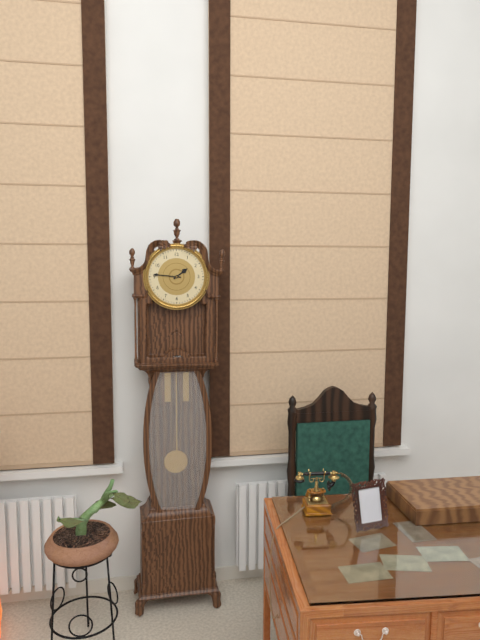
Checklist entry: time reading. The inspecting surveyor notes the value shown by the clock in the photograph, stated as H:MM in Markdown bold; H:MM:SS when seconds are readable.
**1:46**
